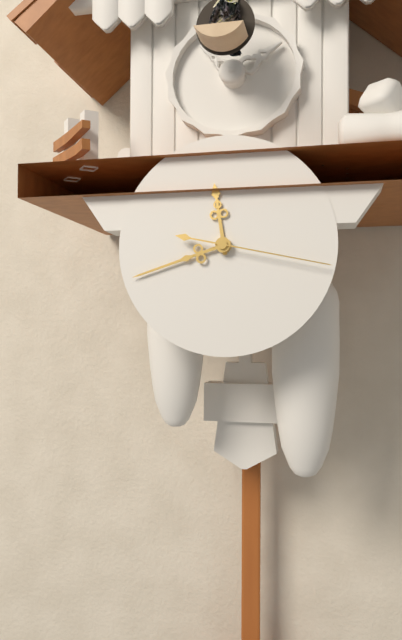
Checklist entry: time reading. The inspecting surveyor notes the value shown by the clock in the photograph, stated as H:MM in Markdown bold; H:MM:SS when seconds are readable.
**11:42:17**
